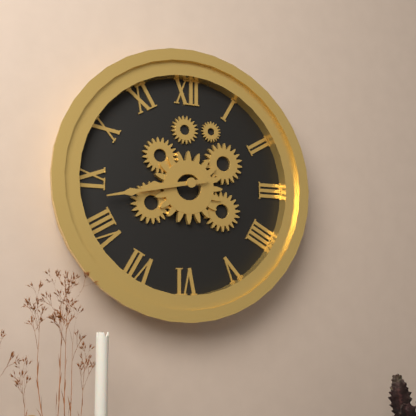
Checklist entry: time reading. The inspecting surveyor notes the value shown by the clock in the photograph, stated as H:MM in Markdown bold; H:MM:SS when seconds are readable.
**8:43**
